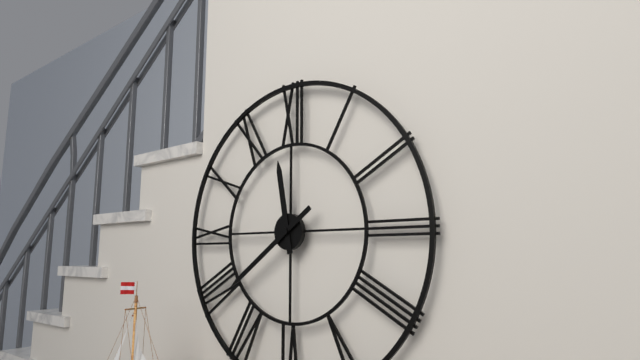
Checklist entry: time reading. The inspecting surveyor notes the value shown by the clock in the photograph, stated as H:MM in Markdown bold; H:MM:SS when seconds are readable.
**11:39**
